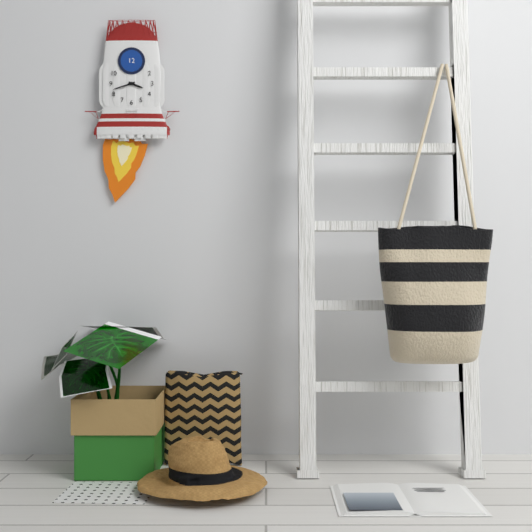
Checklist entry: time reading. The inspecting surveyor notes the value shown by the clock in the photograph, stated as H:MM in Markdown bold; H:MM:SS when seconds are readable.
**3:42**
